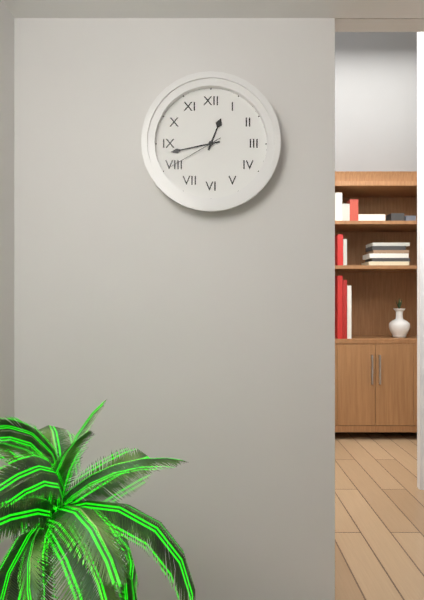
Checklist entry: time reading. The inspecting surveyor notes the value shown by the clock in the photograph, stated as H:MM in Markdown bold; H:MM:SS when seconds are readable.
**12:43:40**
